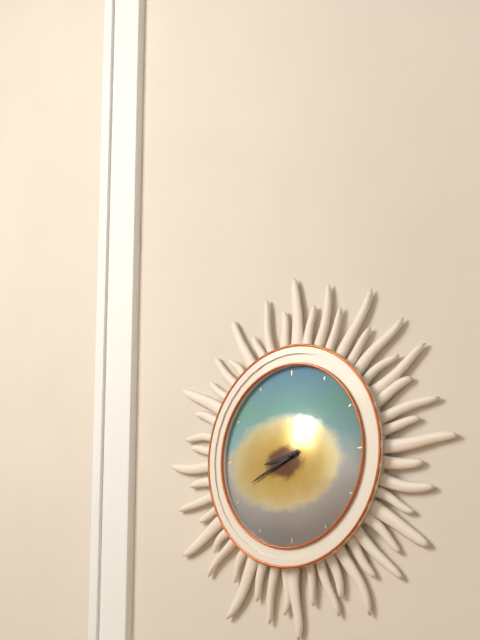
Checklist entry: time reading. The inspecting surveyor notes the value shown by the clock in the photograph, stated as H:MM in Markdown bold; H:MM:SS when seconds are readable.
**8:41**
